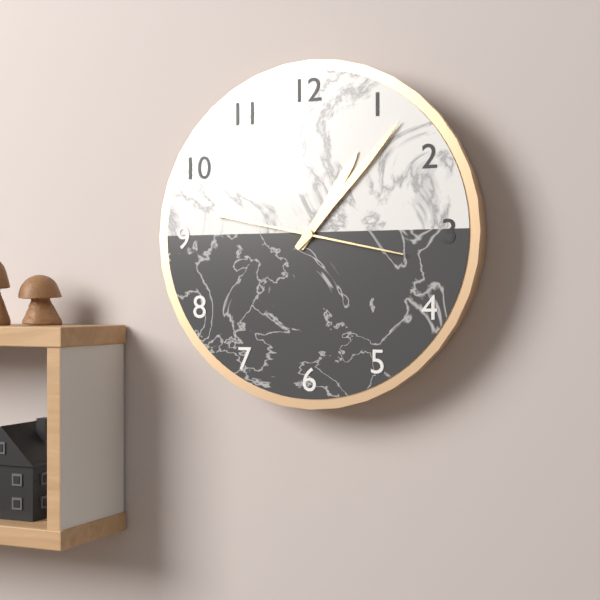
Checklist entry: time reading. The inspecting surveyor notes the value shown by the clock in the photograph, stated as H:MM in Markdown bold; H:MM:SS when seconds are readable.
**1:07:47**
